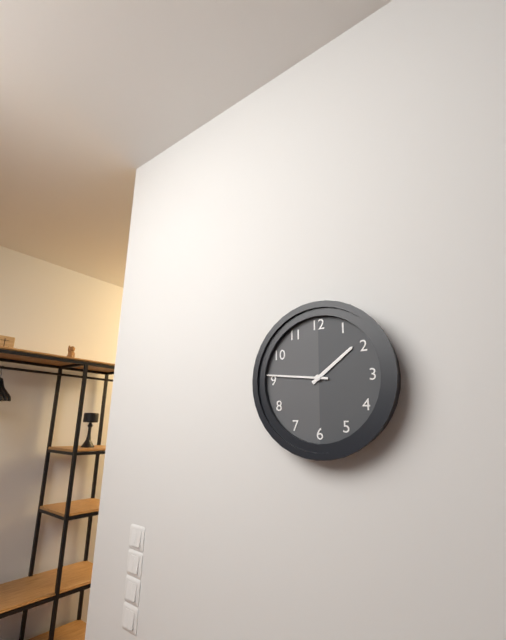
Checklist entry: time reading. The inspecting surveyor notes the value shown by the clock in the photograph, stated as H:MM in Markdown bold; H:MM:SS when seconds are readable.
**1:46**
